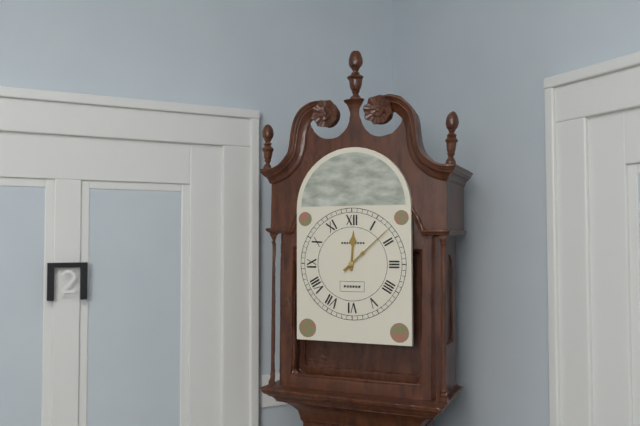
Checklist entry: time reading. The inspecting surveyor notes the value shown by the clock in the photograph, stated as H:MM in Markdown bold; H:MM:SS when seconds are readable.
**12:08**
